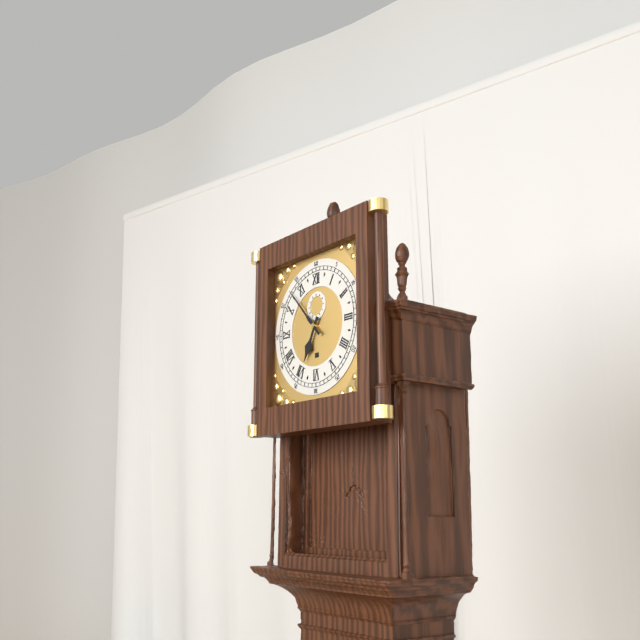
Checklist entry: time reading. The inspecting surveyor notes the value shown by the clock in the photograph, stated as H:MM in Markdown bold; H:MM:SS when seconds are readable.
**6:53**
